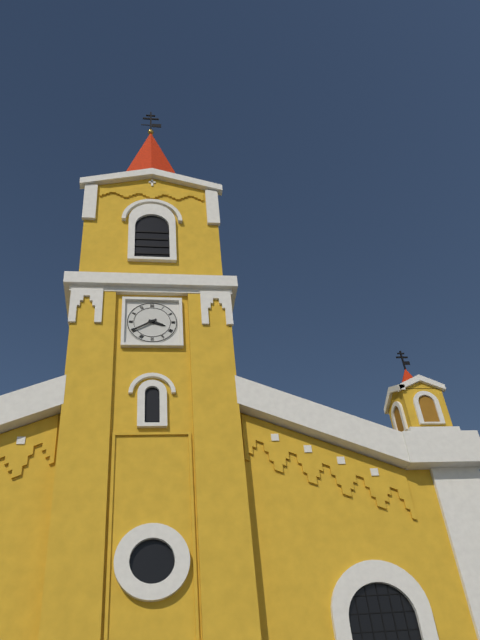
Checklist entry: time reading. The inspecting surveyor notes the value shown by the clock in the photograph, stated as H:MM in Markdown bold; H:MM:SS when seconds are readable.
**3:40**
